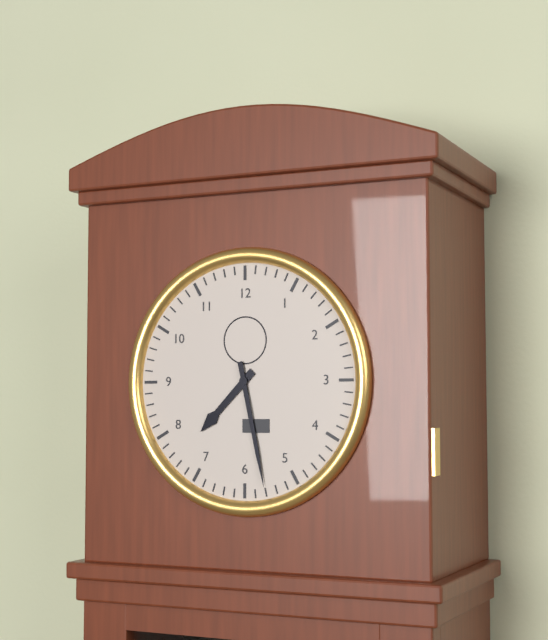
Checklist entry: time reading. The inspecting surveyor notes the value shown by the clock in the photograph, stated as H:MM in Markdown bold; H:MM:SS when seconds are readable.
**7:28**
